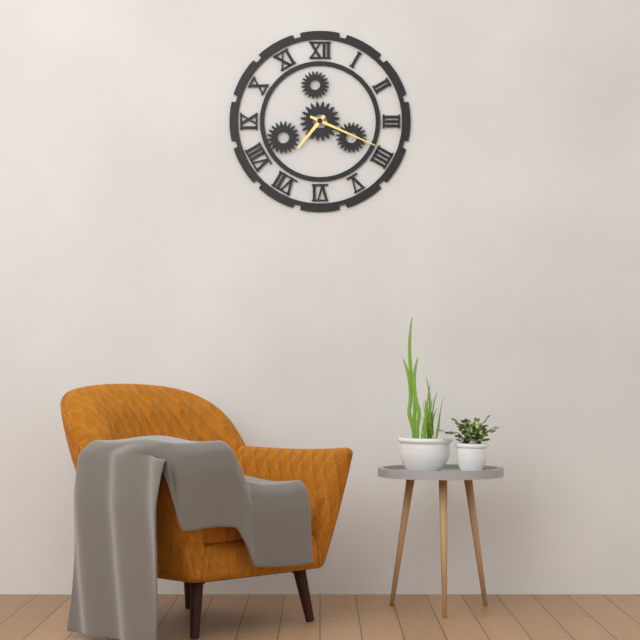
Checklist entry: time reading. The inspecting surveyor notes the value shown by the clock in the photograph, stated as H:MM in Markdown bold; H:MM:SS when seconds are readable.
**7:19**
